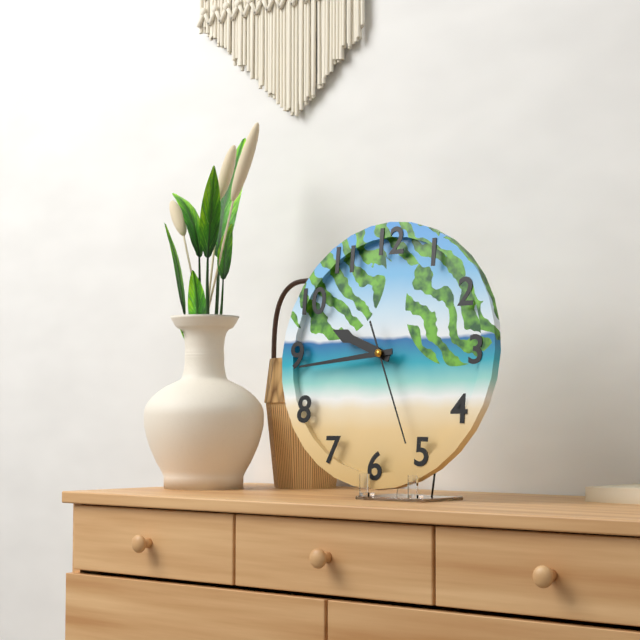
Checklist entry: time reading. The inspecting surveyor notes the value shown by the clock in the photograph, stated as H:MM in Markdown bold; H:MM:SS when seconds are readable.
**9:44:26**
